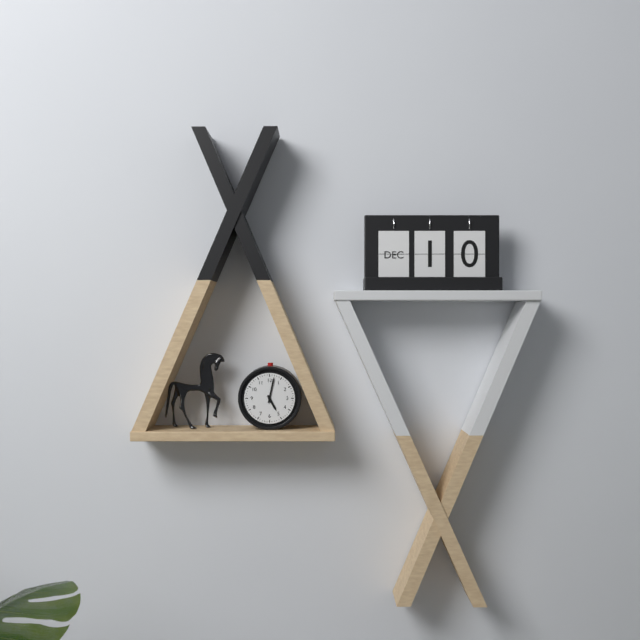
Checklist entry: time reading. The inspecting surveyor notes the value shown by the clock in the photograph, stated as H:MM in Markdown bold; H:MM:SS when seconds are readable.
**5:02**
